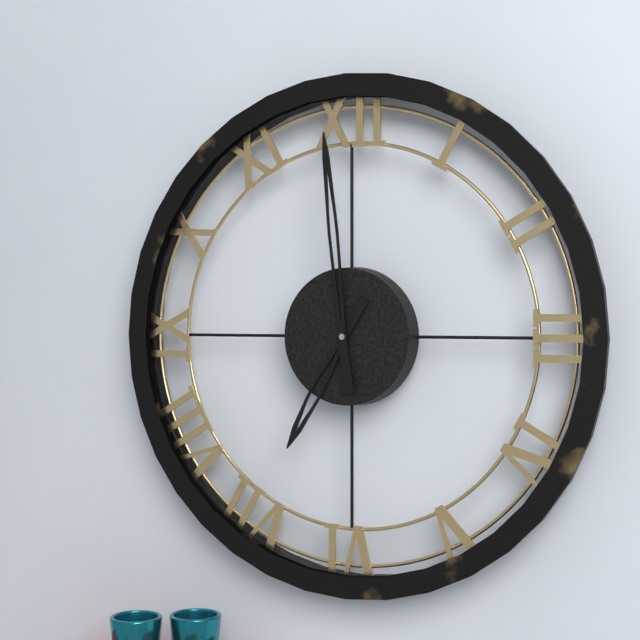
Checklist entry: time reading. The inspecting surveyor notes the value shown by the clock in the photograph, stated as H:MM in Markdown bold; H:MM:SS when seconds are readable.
**6:59**
